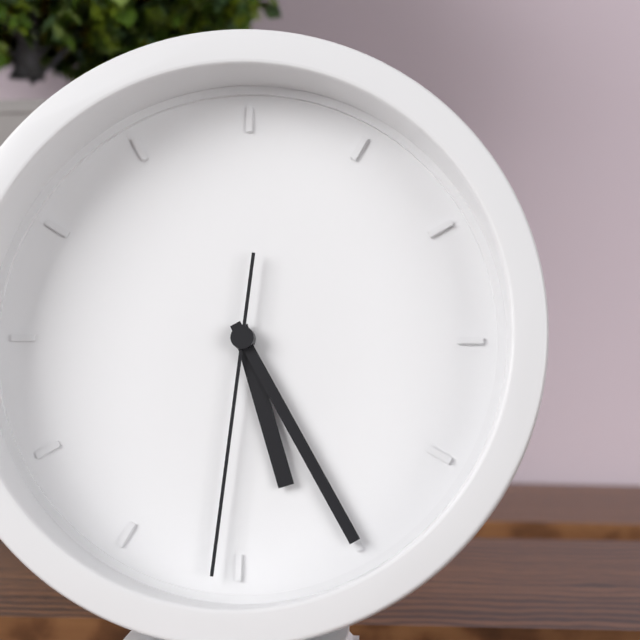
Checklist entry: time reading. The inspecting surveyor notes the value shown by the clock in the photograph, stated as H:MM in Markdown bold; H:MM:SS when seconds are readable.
**5:25:31**
